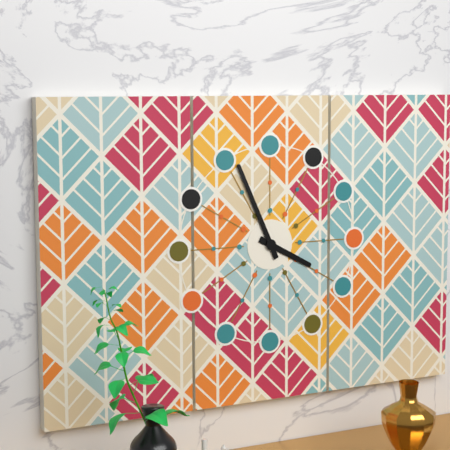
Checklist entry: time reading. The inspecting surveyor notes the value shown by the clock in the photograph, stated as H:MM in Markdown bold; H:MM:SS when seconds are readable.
**3:56**
